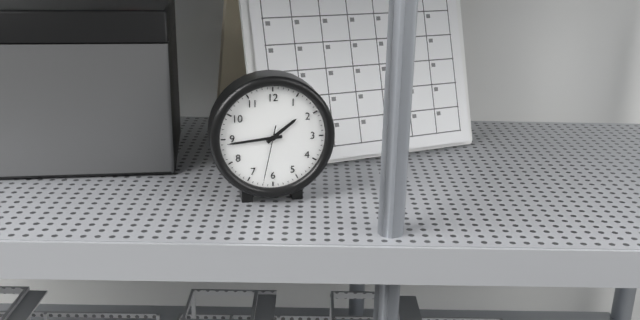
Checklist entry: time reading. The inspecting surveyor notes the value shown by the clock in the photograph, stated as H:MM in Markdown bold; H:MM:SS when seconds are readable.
**1:44:32**
